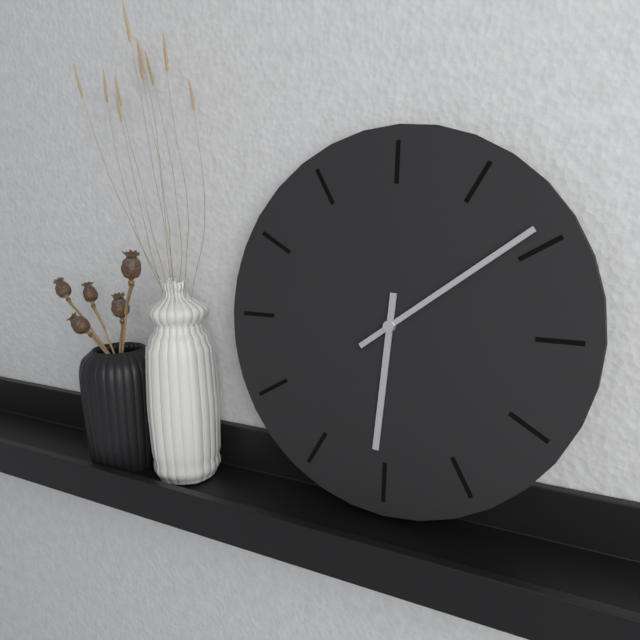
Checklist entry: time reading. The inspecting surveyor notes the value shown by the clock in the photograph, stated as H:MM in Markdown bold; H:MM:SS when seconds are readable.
**6:09**
